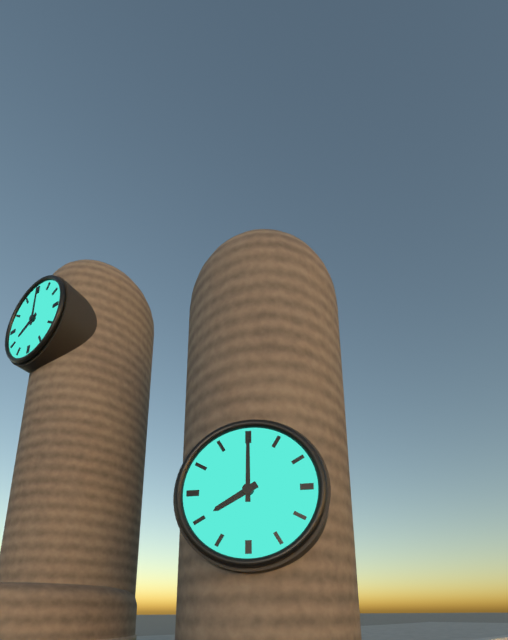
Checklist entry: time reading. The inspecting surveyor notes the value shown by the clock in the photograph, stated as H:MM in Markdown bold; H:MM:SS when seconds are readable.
**8:00**
